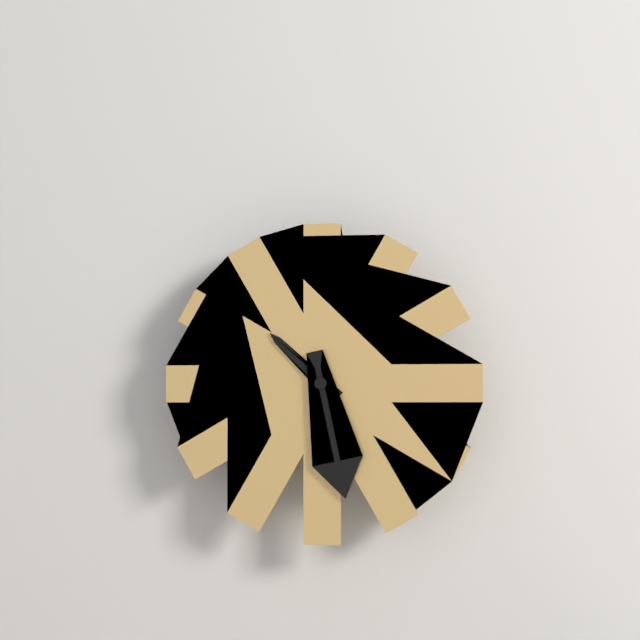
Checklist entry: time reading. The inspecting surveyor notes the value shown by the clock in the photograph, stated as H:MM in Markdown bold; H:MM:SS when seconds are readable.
**10:28**
